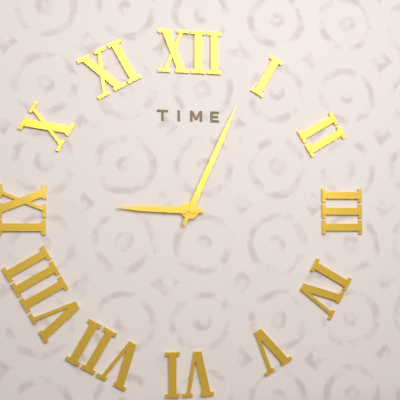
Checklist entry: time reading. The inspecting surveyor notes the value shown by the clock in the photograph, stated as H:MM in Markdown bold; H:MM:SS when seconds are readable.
**9:04**
